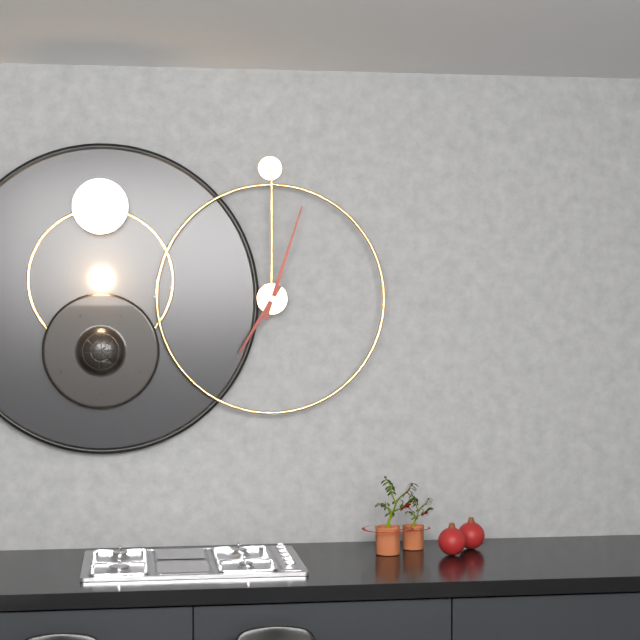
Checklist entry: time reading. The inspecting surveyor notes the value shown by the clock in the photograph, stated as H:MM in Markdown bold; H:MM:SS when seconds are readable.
**7:03**
